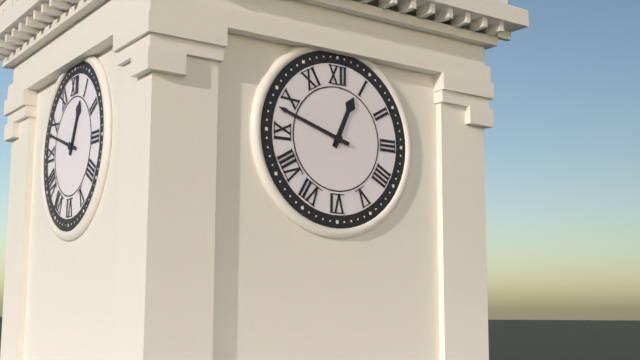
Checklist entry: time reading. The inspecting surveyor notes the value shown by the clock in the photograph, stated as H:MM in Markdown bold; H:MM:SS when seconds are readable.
**12:48**
